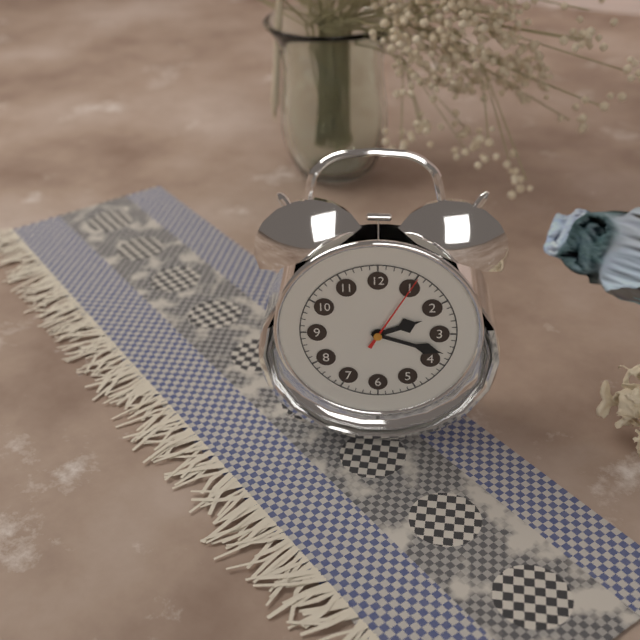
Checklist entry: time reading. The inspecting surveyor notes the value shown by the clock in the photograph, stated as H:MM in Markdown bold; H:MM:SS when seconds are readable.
**2:18:05**
